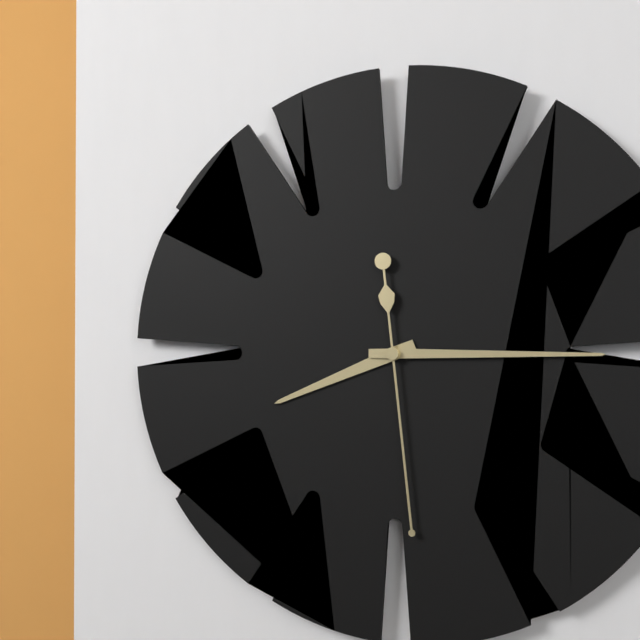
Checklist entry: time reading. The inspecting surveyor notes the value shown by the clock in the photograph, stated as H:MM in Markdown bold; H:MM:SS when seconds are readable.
**8:15:29**
